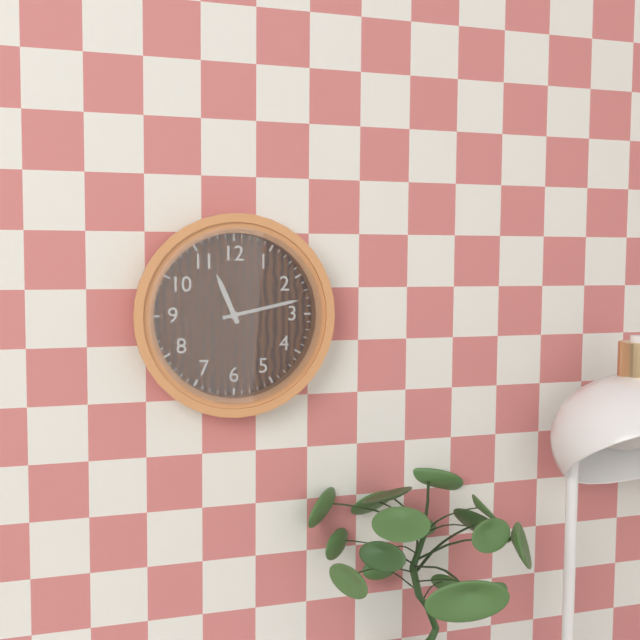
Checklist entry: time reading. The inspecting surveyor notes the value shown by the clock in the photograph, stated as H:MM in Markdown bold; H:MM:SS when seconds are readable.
**11:13**
